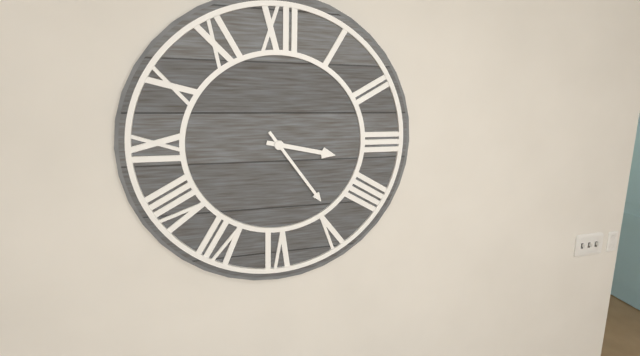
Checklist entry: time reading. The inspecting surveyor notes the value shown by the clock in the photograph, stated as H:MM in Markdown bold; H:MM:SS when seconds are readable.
**3:24**
